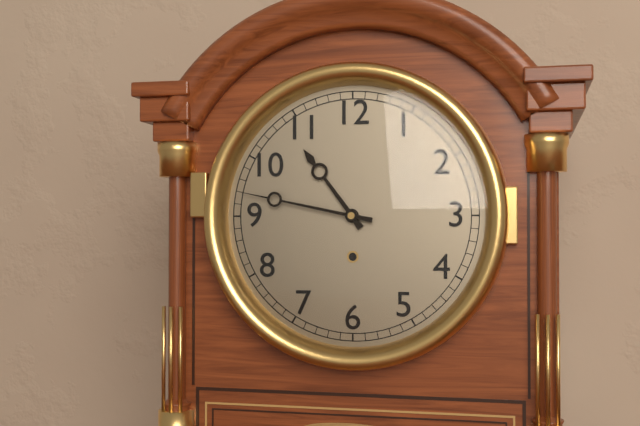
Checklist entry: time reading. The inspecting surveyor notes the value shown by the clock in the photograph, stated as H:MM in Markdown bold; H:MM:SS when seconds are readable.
**10:47**
